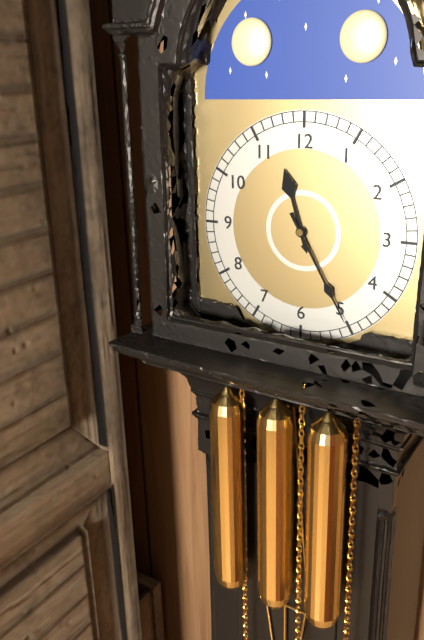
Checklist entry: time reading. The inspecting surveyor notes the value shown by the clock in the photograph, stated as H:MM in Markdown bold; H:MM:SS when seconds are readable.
**11:25**
